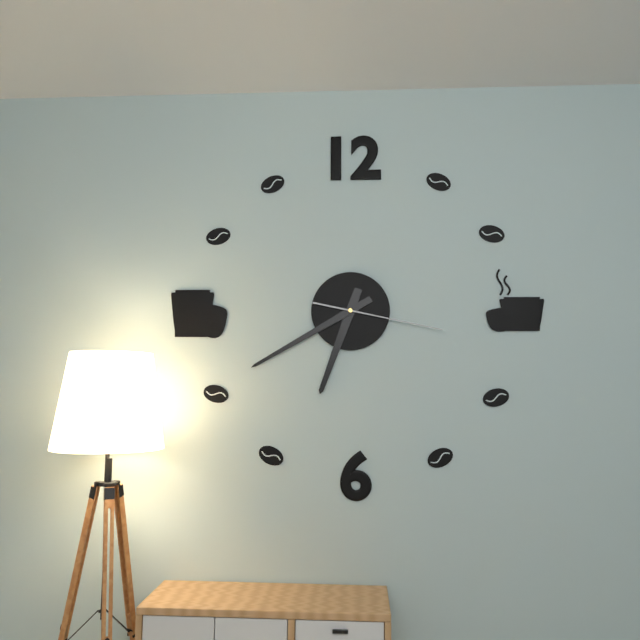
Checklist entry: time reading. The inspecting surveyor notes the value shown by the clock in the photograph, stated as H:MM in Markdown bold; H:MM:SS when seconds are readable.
**6:40:17**
